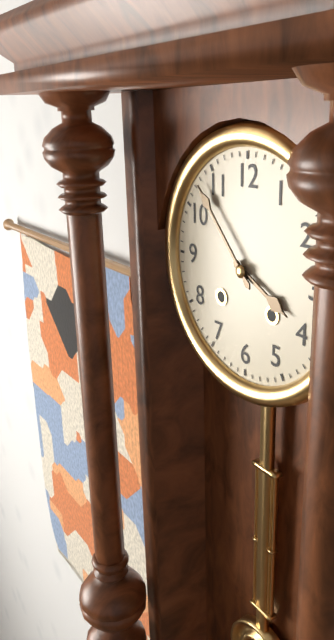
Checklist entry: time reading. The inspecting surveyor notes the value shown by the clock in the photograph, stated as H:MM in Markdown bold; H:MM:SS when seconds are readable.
**3:53**
